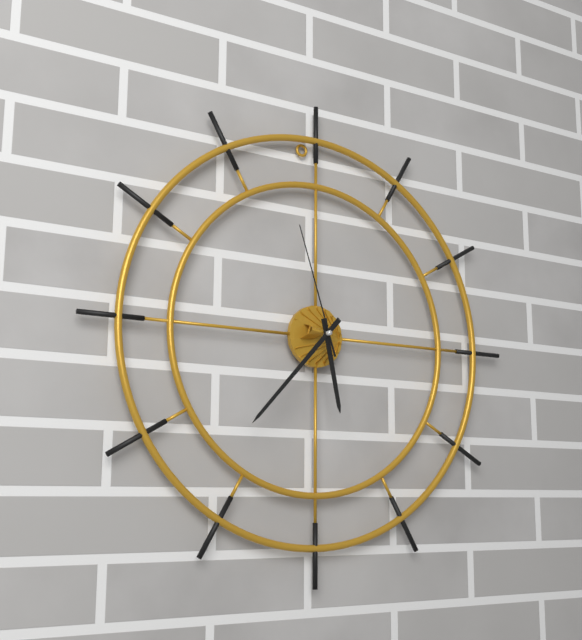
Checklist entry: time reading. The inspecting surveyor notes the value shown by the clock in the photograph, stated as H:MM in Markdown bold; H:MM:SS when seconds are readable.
**5:37:57**
